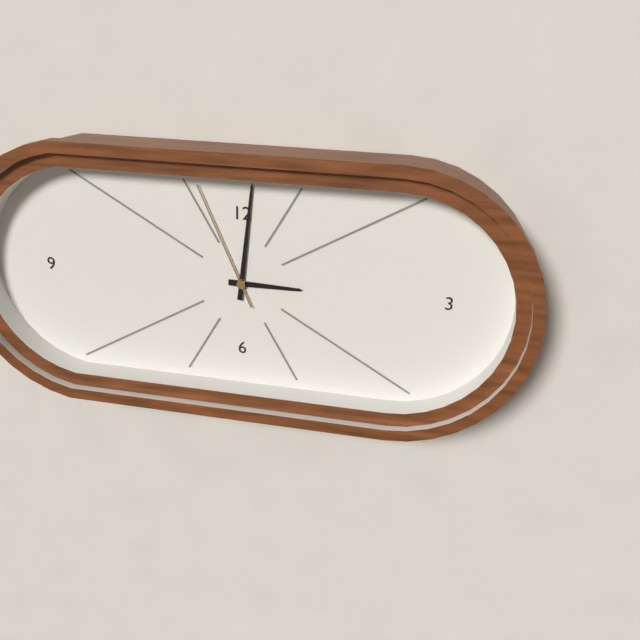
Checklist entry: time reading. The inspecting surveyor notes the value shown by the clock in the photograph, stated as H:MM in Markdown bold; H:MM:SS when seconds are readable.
**3:01:56**
